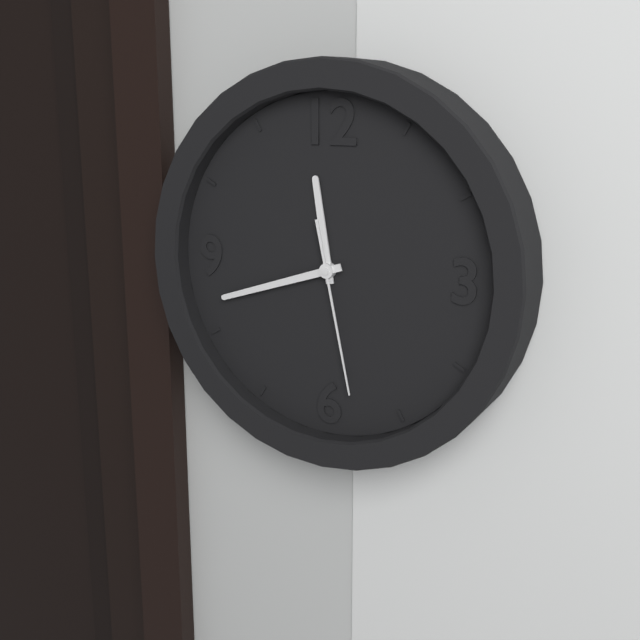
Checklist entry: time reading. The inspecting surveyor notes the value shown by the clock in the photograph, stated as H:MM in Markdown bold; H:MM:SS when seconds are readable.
**11:42:28**
